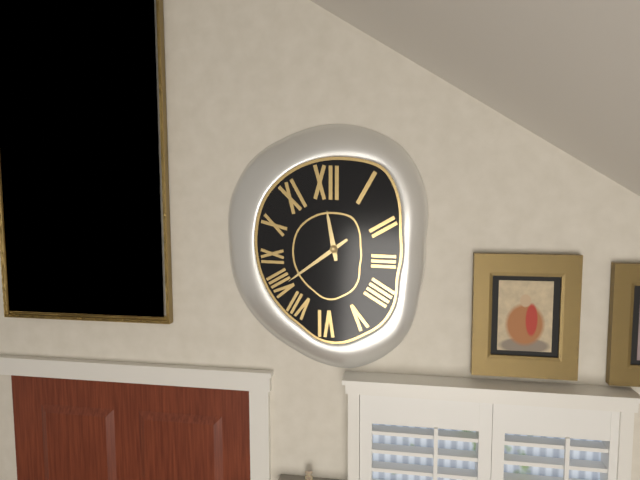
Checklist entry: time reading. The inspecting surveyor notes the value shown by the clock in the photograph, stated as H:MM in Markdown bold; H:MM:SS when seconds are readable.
**11:39**
